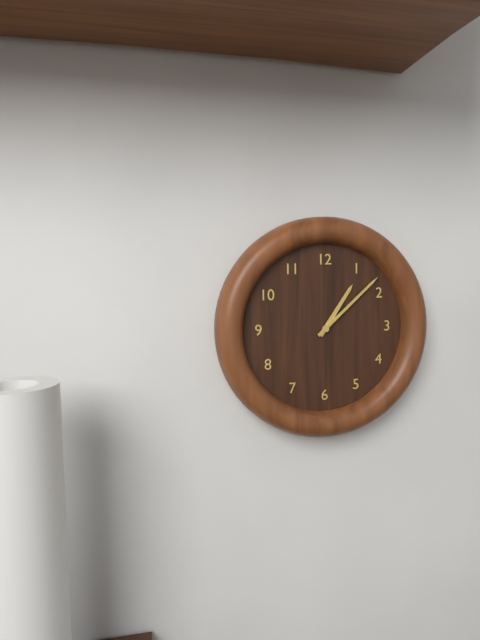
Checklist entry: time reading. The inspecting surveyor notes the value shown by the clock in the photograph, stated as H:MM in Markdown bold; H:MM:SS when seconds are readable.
**1:08**
